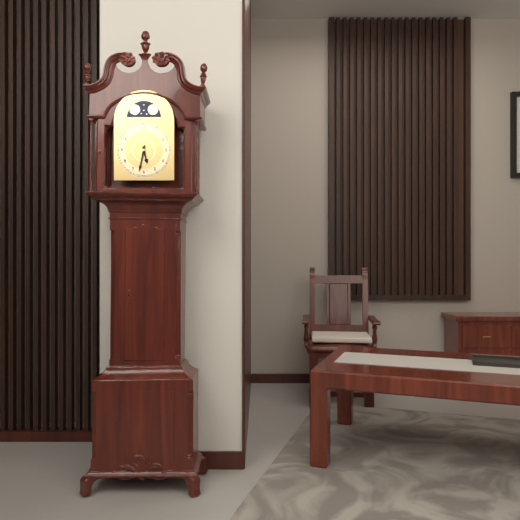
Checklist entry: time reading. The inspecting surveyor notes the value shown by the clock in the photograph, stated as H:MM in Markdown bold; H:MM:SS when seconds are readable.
**5:32**
